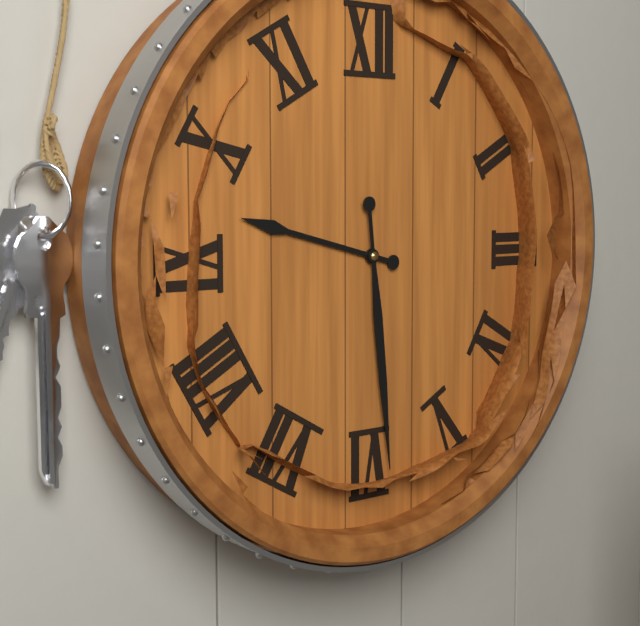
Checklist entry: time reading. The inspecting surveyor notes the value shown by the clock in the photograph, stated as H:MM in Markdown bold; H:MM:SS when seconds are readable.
**9:29**
